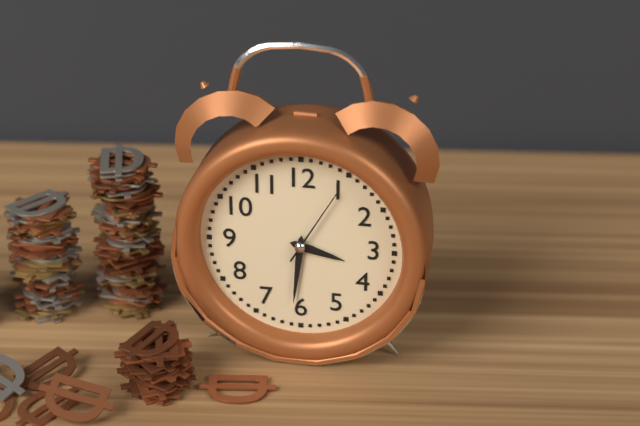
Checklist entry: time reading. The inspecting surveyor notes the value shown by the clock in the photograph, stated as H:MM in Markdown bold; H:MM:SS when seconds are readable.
**3:31:05**
